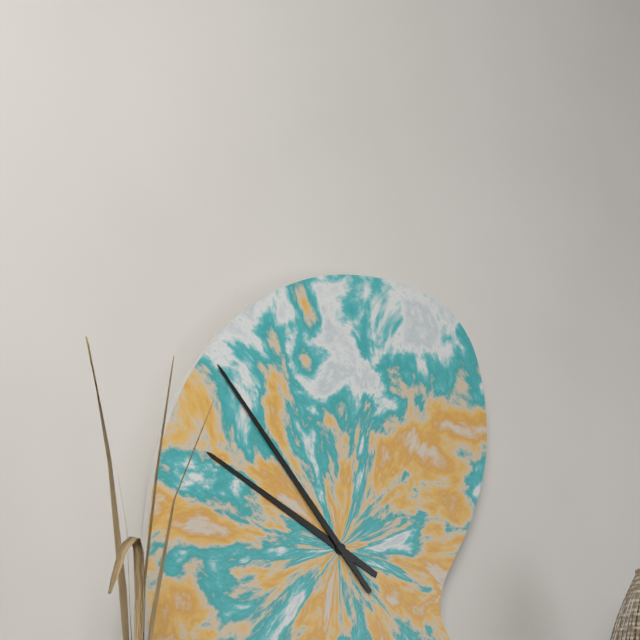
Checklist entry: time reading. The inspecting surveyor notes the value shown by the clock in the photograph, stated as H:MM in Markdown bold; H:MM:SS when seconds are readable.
**9:53**
